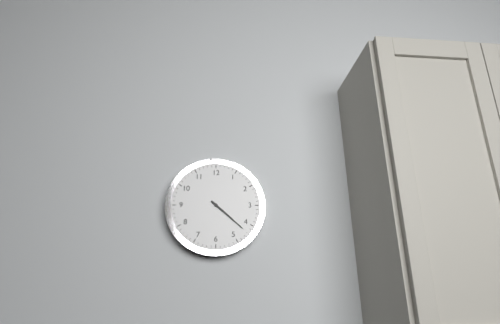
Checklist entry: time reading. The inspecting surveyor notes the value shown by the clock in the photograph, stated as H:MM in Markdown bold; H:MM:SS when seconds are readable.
**4:22**
